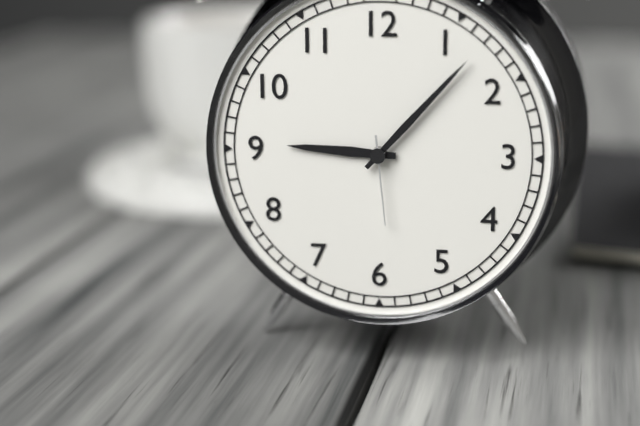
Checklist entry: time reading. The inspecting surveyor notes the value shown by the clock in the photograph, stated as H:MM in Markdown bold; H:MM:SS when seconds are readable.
**9:07:29**
